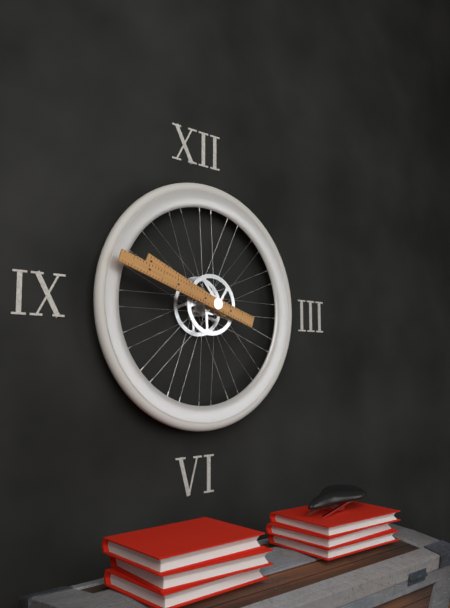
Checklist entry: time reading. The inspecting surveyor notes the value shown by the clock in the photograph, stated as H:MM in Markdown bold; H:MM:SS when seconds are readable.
**9:48**
